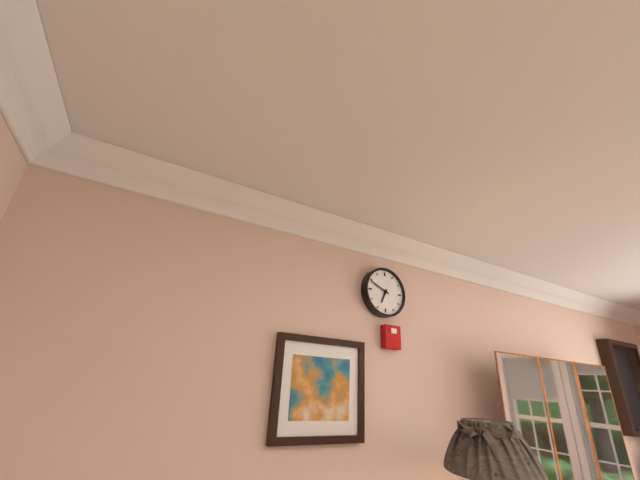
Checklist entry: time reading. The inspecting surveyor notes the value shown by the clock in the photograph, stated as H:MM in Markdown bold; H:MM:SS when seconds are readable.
**6:49**
